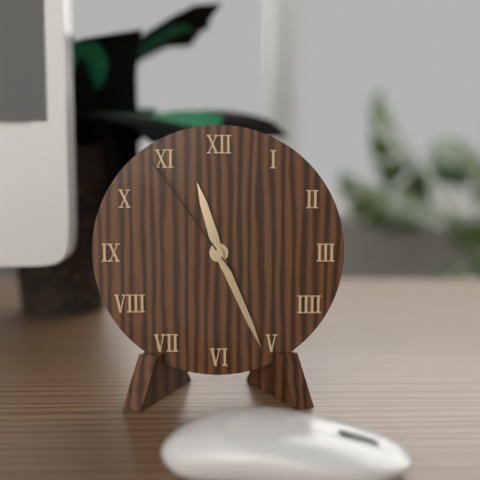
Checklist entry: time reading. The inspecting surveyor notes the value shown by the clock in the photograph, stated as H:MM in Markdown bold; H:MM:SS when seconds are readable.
**11:26:54**
